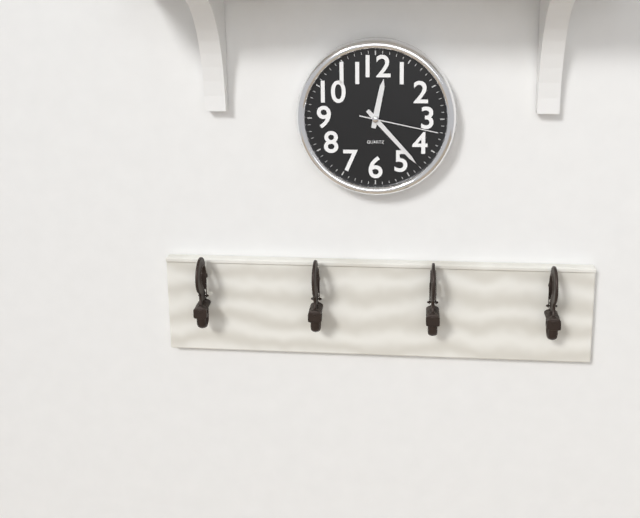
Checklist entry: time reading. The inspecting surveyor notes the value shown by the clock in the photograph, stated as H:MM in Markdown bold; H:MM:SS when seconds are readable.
**12:23:17**
